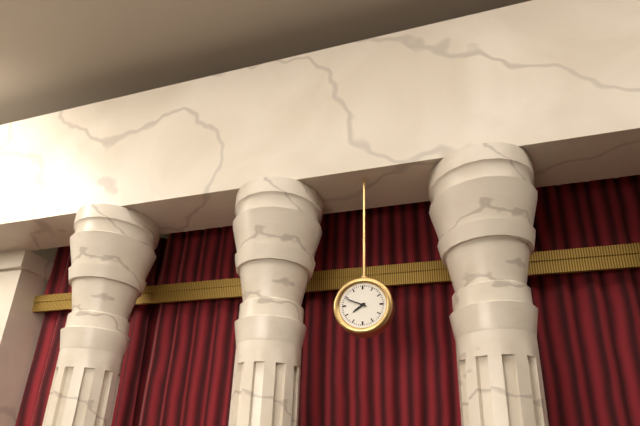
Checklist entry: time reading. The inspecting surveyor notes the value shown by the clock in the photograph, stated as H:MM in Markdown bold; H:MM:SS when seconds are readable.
**7:49**
